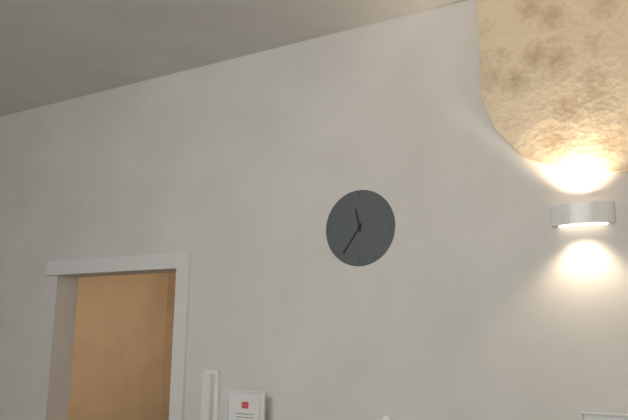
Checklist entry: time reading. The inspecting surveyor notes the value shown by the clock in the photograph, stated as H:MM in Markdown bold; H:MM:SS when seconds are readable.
**11:36**
